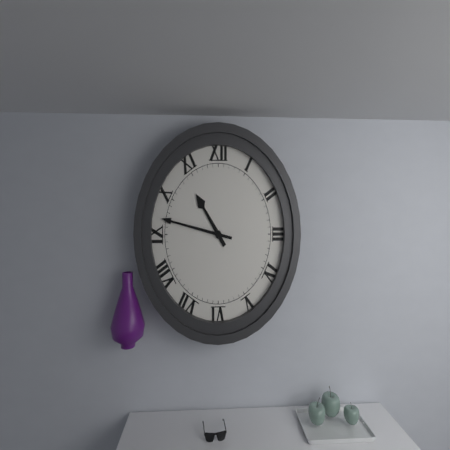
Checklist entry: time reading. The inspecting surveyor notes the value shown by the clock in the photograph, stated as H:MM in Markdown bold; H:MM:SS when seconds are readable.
**10:47**
